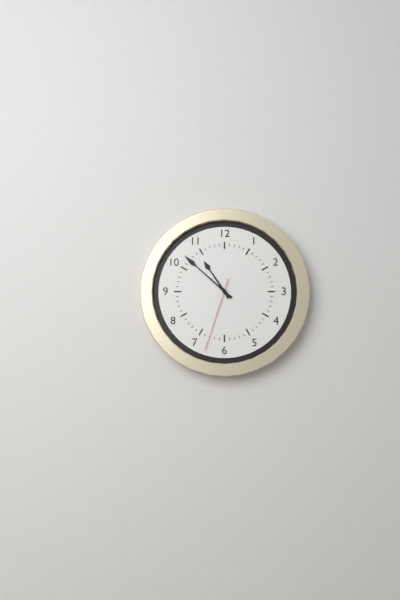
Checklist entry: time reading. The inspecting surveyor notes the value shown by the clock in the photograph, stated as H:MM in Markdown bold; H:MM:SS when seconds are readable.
**10:52:33**
